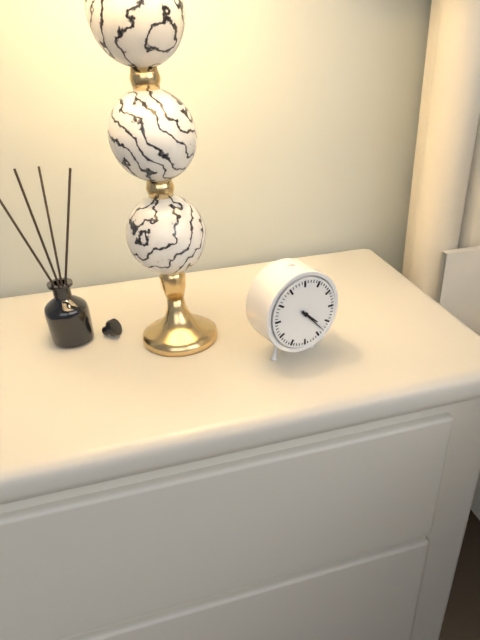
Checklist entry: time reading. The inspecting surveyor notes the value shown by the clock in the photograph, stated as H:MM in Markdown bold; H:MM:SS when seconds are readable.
**4:23**
